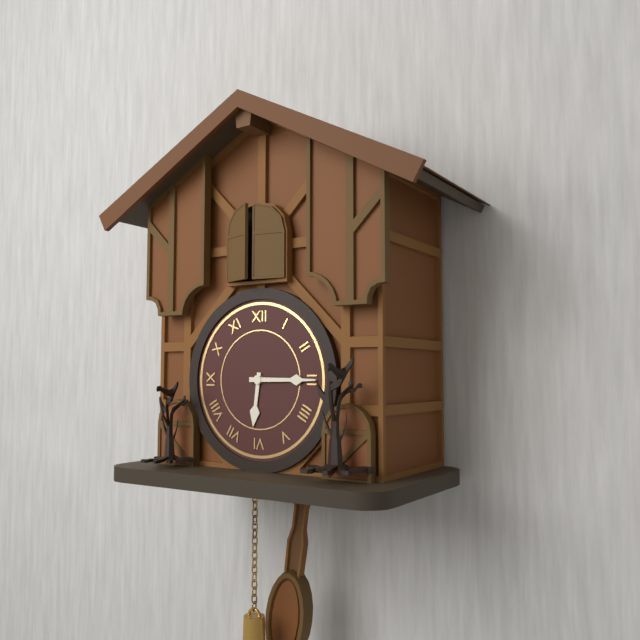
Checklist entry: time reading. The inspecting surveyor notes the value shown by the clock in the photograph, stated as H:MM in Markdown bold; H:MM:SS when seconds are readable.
**6:15**
